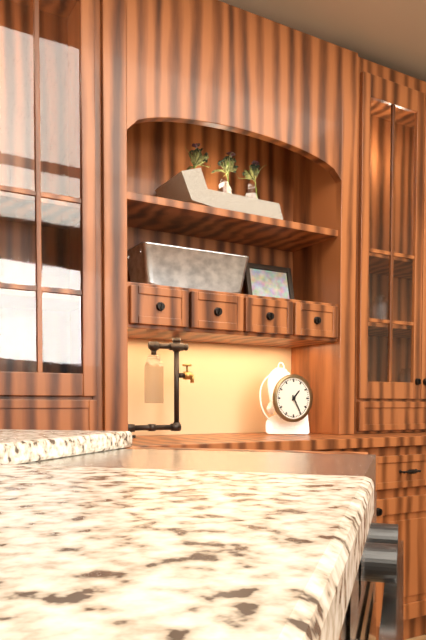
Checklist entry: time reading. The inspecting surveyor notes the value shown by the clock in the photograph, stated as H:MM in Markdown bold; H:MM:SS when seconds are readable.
**1:25**
